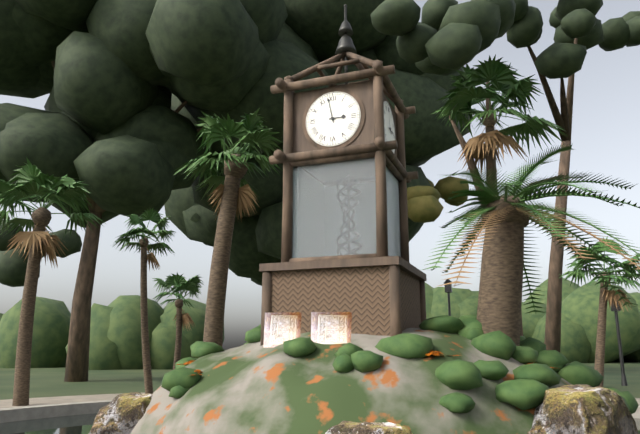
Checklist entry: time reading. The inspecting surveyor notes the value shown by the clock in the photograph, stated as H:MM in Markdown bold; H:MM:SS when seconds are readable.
**2:58**
